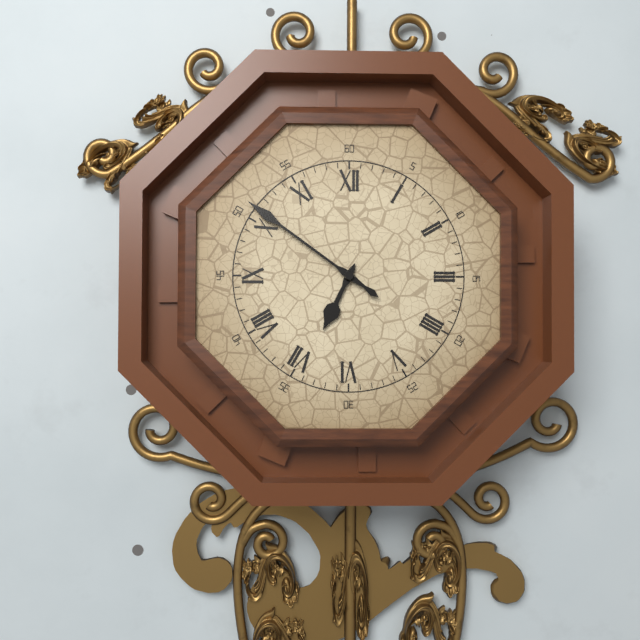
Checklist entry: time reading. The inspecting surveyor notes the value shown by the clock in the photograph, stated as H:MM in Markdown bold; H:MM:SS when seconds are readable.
**6:51**
